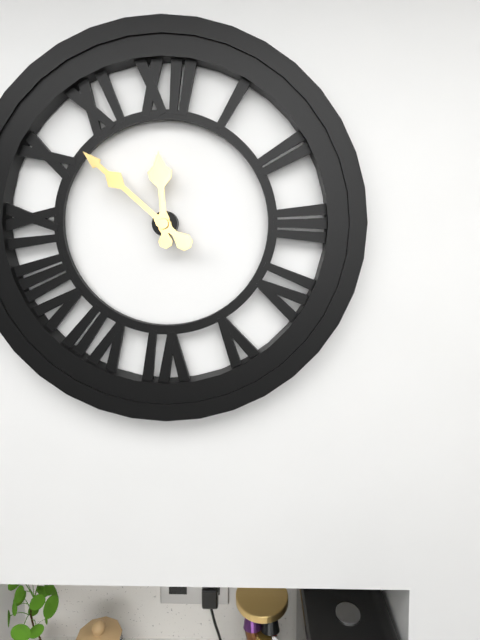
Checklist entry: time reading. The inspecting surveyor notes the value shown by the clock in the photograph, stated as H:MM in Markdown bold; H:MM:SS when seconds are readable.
**11:52**
